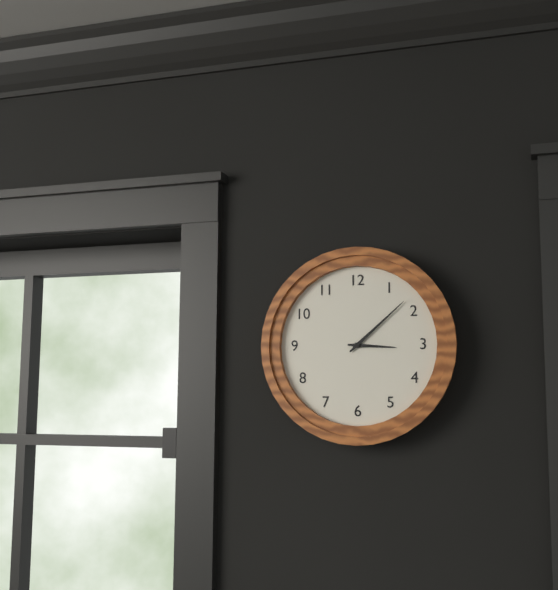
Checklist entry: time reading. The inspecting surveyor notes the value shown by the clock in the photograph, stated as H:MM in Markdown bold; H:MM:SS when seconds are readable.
**3:08**
